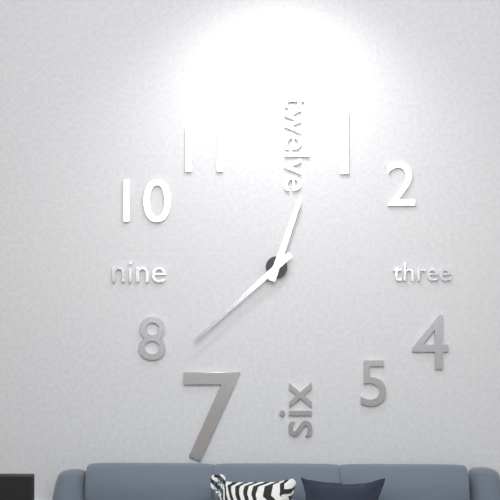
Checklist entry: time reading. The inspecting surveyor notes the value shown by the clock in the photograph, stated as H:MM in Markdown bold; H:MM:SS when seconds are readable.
**12:38**
